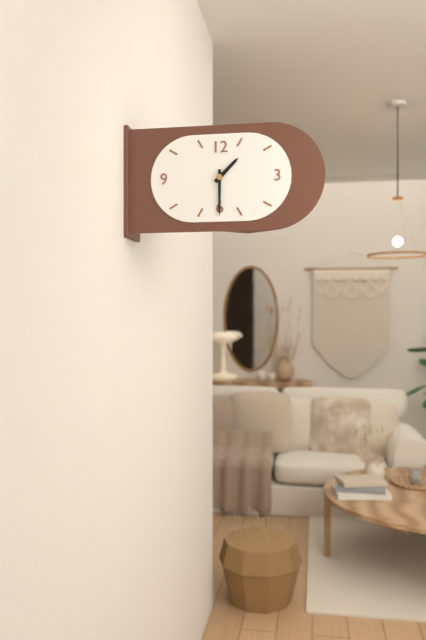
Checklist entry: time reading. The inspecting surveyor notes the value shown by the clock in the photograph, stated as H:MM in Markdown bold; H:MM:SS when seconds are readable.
**1:30**
